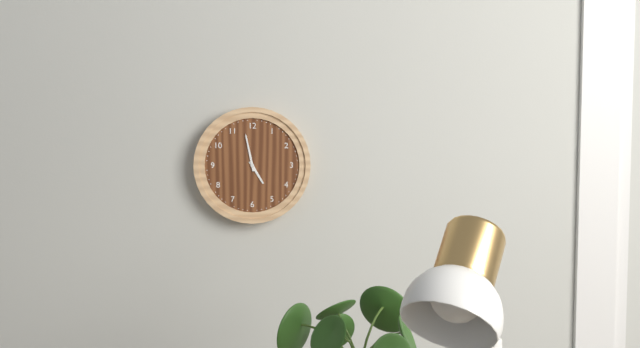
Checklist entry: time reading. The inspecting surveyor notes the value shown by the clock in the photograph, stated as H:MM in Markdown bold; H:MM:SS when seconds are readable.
**4:58**
